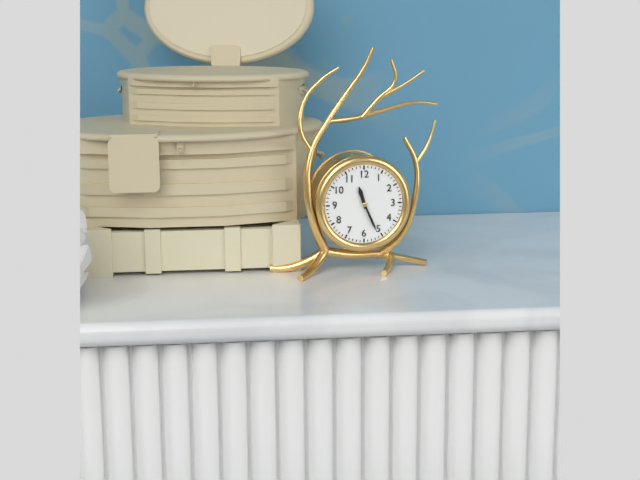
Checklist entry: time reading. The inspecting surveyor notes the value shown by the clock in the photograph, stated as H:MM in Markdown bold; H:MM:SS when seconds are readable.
**11:26**
